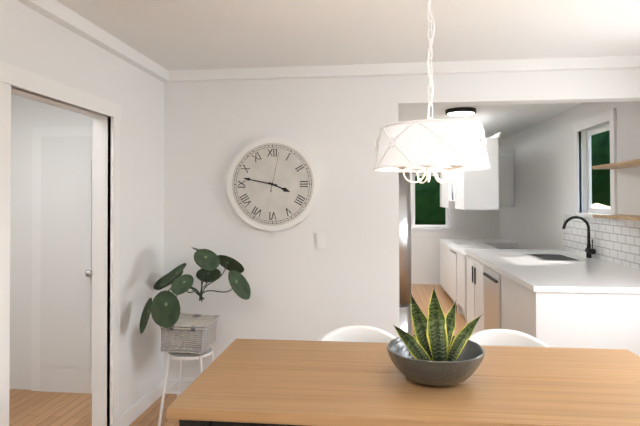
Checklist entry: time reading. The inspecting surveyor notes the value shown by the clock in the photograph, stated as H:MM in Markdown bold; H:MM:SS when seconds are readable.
**3:47**
